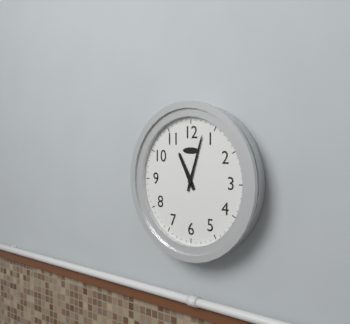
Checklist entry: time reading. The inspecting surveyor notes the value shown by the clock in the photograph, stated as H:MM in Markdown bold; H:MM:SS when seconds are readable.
**11:03**
